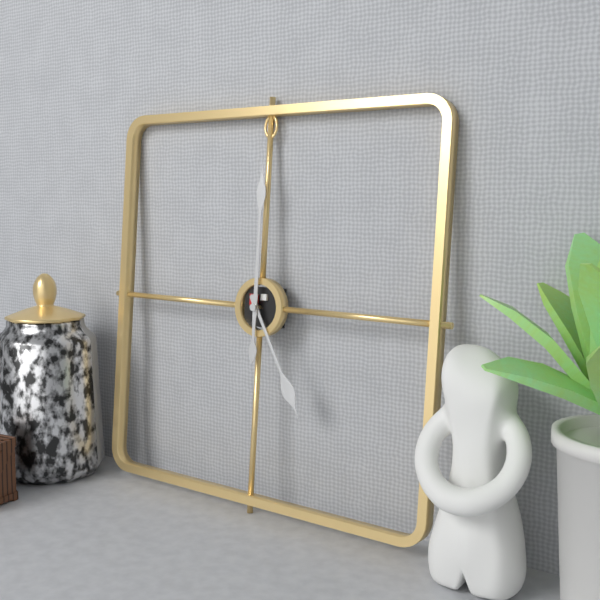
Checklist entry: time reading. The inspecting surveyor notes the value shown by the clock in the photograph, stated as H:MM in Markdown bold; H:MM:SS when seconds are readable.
**5:00**
